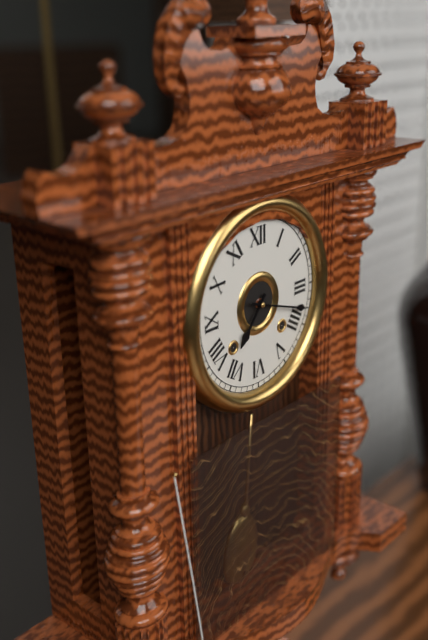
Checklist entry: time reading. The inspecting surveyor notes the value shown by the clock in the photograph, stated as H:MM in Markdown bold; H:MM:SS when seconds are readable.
**7:18**
